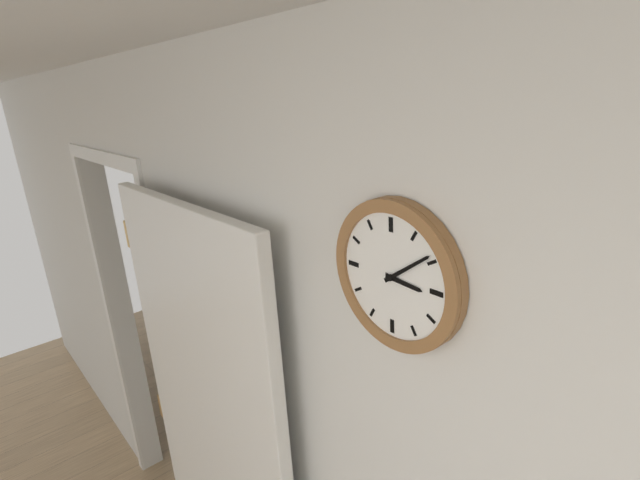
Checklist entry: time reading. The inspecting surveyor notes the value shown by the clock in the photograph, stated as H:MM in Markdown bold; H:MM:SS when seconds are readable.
**3:09**
